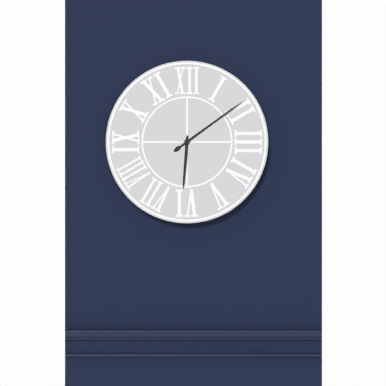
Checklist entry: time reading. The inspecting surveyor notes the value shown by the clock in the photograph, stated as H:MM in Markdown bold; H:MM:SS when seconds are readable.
**6:09**
